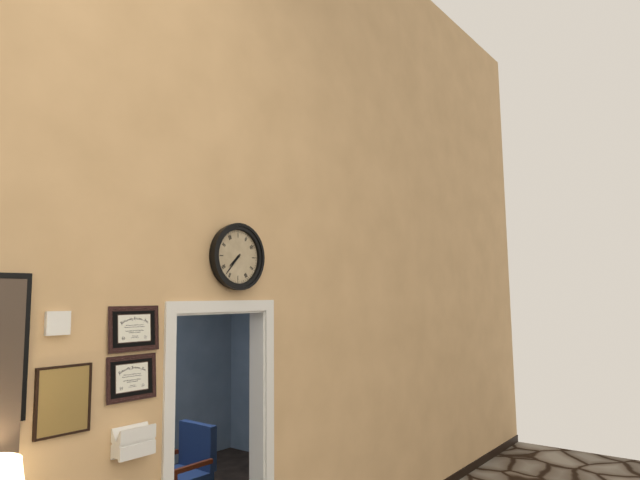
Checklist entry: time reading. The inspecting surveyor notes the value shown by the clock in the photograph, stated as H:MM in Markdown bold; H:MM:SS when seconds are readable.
**7:37**
